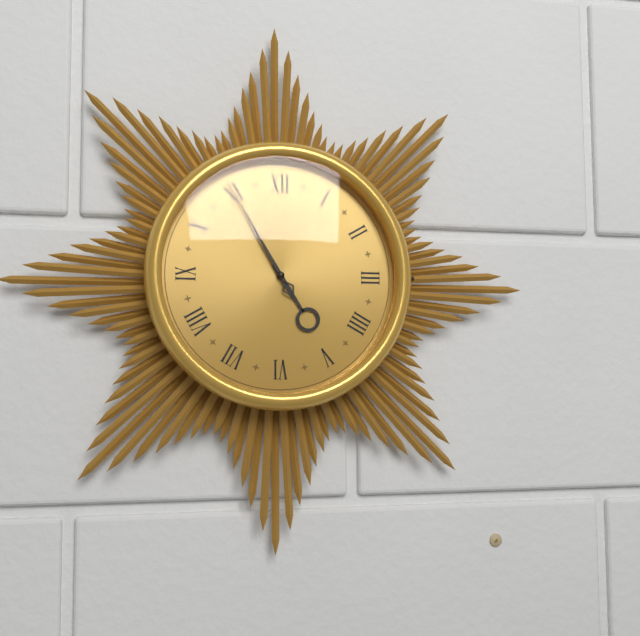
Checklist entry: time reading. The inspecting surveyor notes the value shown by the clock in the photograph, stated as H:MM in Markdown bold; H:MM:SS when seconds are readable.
**4:55**
